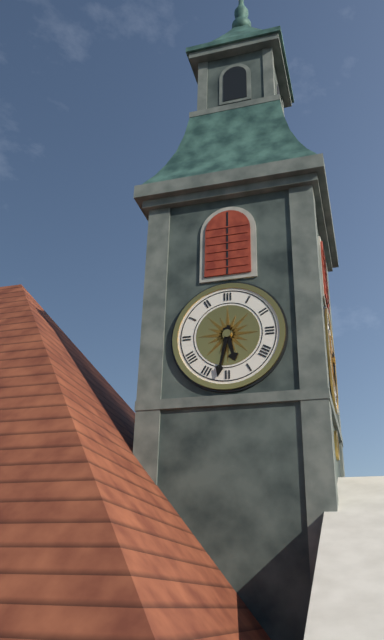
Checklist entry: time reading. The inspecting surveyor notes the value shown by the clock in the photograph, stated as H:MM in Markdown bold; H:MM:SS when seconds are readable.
**5:32**
